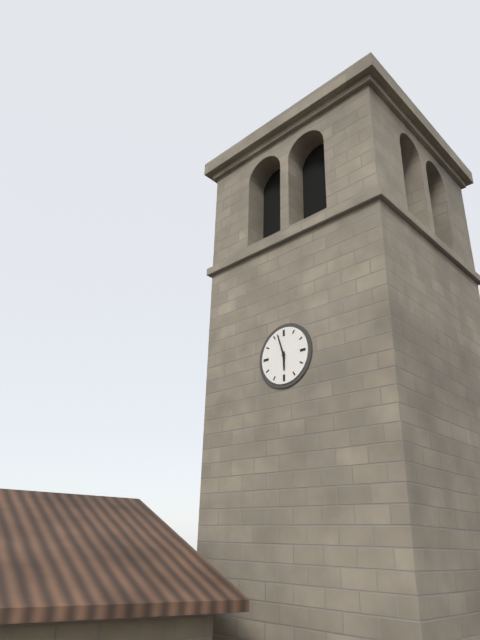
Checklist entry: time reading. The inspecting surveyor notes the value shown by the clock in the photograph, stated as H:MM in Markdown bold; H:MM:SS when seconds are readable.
**5:57**
